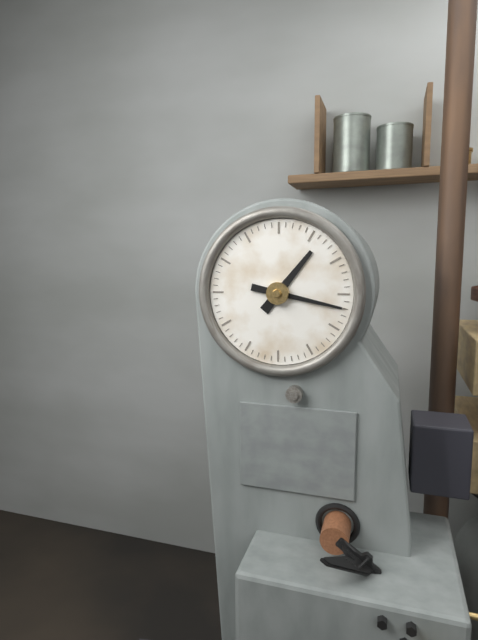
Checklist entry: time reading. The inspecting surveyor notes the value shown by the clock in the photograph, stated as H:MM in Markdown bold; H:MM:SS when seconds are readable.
**1:17**
